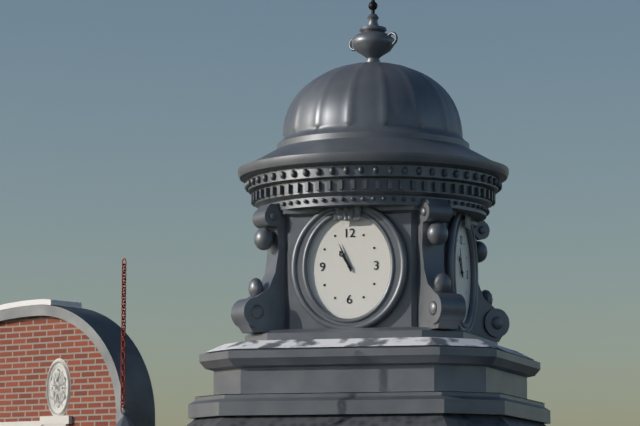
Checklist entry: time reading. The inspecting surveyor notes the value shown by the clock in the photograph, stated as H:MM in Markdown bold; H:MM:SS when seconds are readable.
**10:56**
